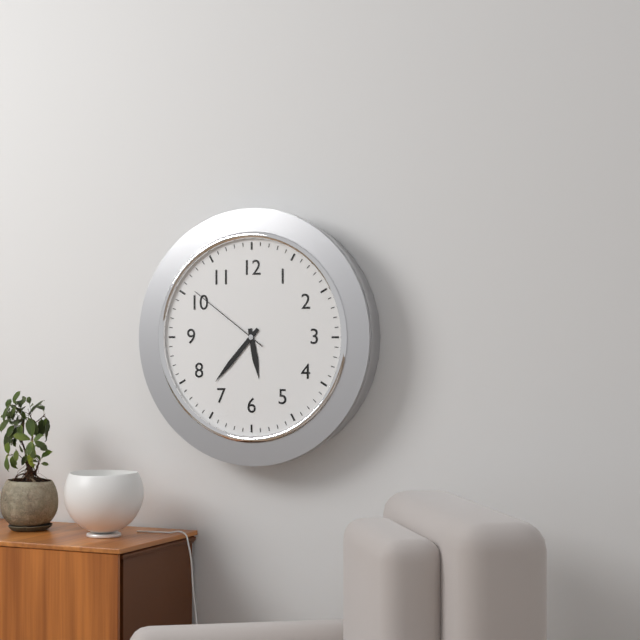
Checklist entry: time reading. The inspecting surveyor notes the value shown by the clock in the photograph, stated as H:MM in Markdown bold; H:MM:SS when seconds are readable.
**5:37:51**
